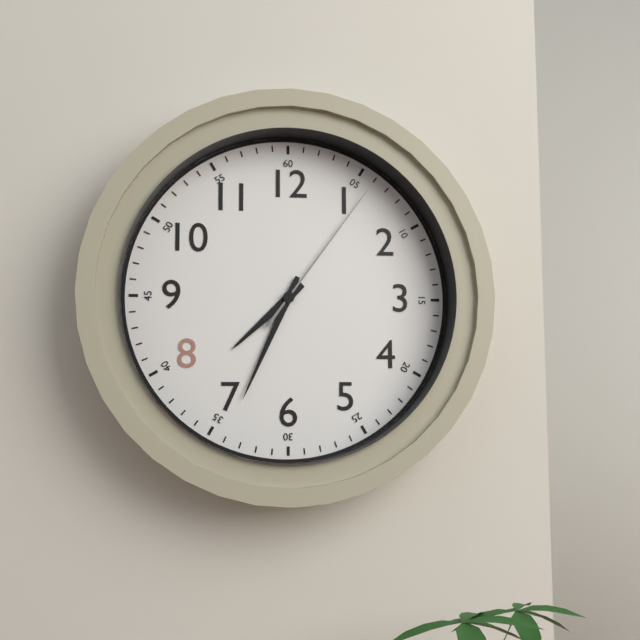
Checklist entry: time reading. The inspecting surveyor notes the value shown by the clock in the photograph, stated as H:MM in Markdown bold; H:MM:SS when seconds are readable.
**7:34:06**
